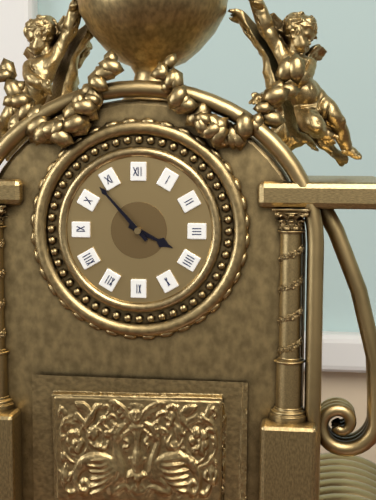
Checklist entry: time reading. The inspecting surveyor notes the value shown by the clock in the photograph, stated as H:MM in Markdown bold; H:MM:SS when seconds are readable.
**3:53**
